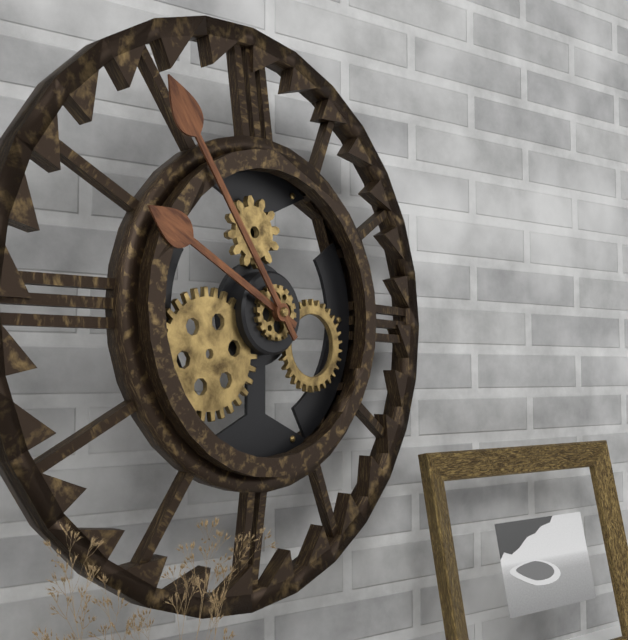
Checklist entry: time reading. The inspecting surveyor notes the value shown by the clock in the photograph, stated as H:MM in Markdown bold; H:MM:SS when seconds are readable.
**9:54**
